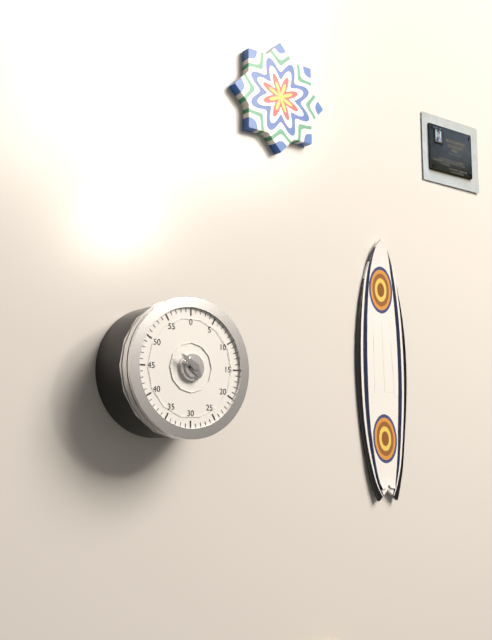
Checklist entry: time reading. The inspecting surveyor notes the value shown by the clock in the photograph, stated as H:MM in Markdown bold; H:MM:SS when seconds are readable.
**4:51**
